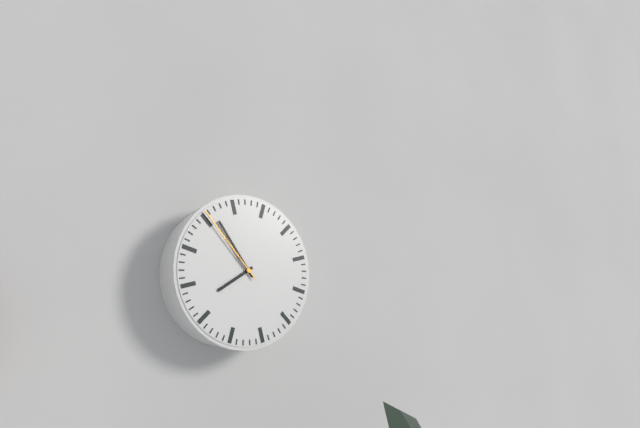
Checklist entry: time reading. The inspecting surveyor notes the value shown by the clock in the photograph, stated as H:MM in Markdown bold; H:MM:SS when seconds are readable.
**7:54:53**
